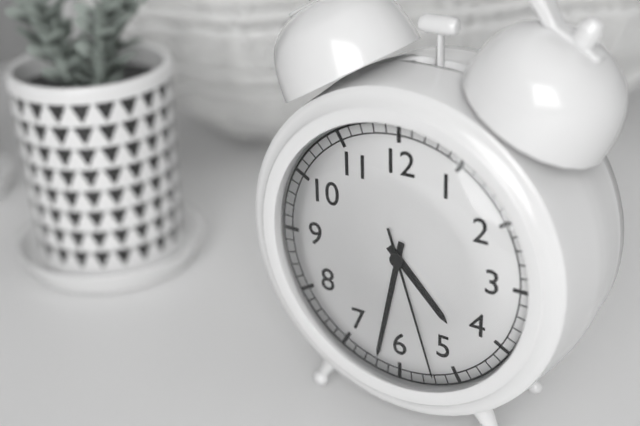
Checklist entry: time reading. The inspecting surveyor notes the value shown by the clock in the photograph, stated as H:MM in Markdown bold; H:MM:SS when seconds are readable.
**4:32:27**
